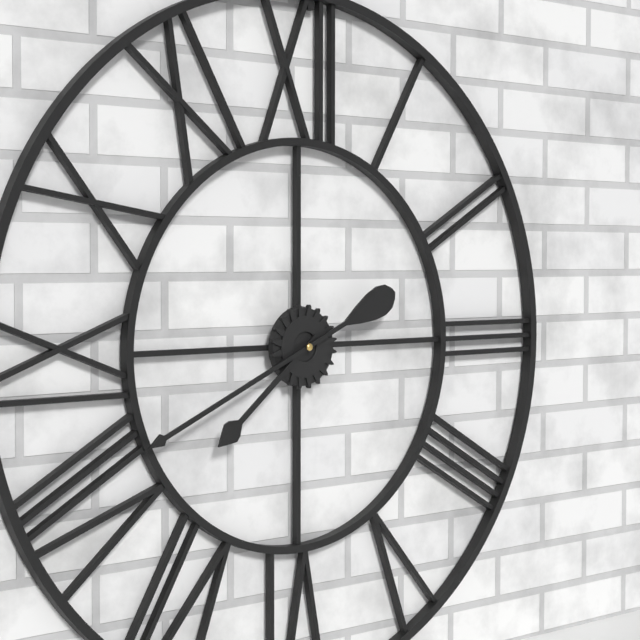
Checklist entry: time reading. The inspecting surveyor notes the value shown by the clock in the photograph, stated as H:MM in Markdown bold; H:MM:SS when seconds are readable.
**7:41**
